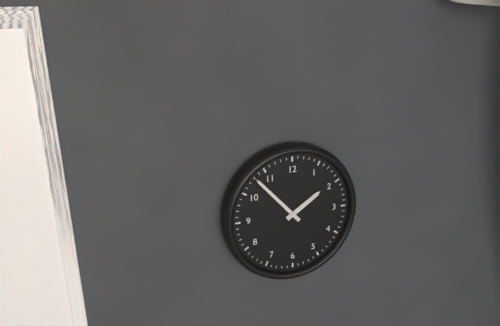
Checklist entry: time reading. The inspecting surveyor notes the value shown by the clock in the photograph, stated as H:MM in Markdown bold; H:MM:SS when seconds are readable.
**1:53**
